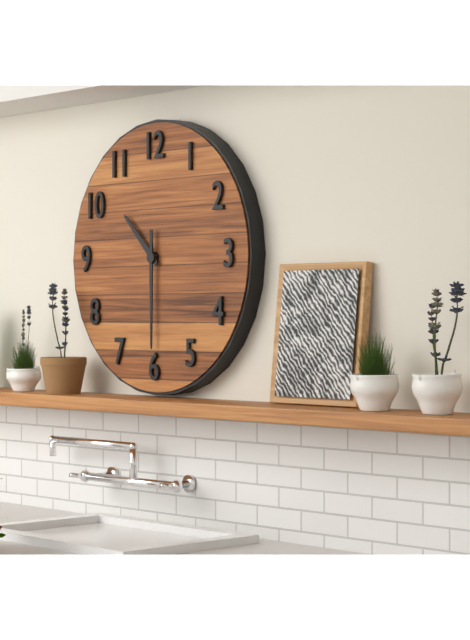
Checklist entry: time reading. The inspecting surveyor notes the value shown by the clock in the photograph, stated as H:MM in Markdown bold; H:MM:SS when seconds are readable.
**10:30**
